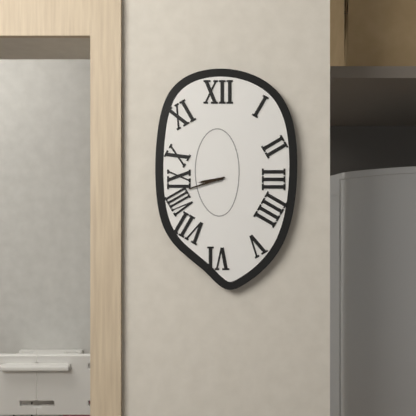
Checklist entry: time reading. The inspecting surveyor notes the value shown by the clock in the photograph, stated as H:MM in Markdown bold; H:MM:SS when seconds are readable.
**8:42**
